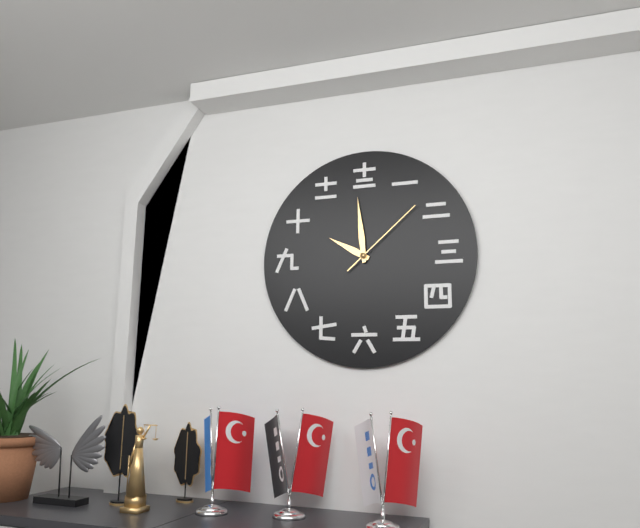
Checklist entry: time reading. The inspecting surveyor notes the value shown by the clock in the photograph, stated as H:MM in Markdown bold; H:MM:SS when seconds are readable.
**9:59:08**
